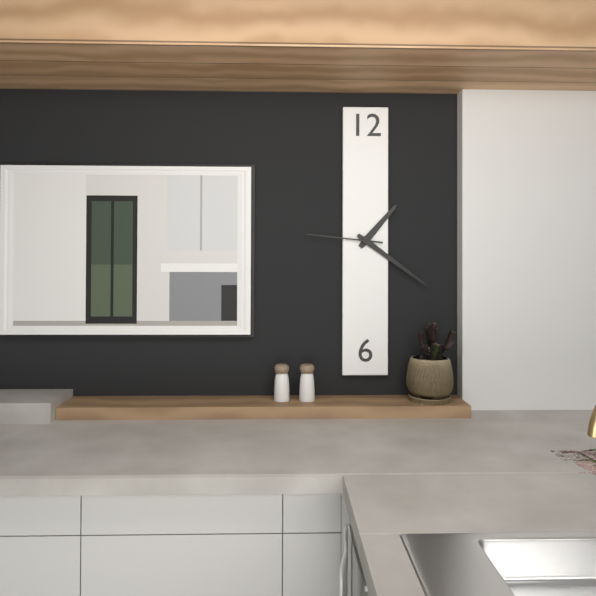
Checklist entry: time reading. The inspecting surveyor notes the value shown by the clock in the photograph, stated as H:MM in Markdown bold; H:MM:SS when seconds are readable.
**1:21:46**
